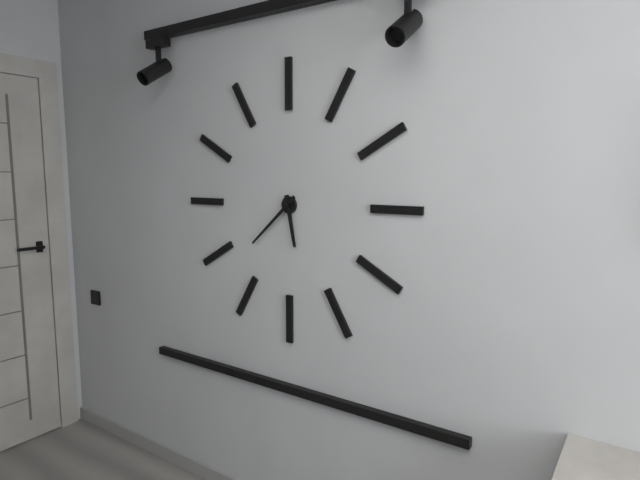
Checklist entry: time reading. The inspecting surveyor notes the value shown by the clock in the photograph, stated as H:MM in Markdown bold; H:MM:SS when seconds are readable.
**5:38**
